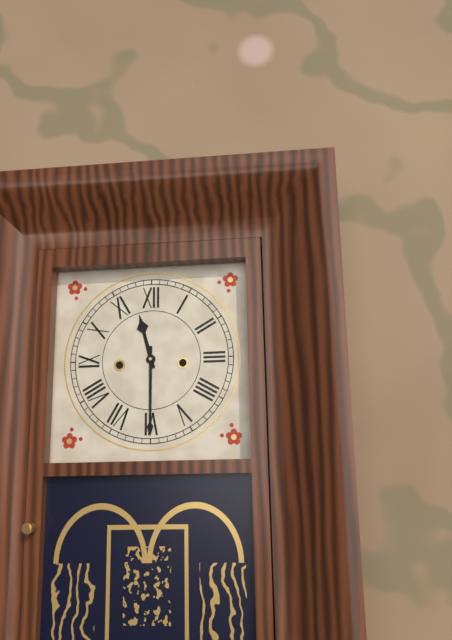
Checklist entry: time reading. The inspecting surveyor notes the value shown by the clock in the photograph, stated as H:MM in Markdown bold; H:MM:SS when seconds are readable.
**11:30**
